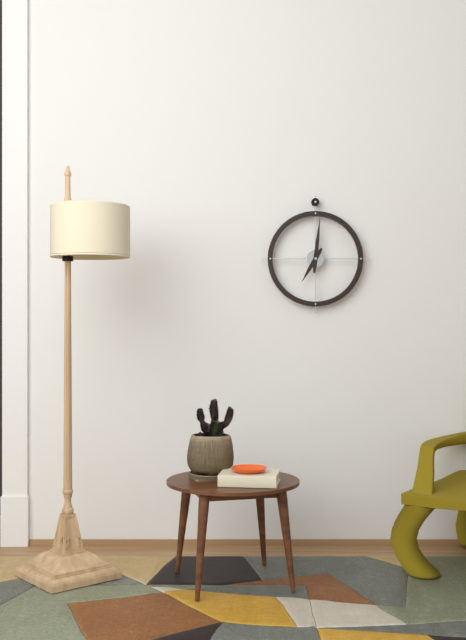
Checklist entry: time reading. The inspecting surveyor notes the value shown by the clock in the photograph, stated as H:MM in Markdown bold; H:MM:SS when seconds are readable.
**7:01**
